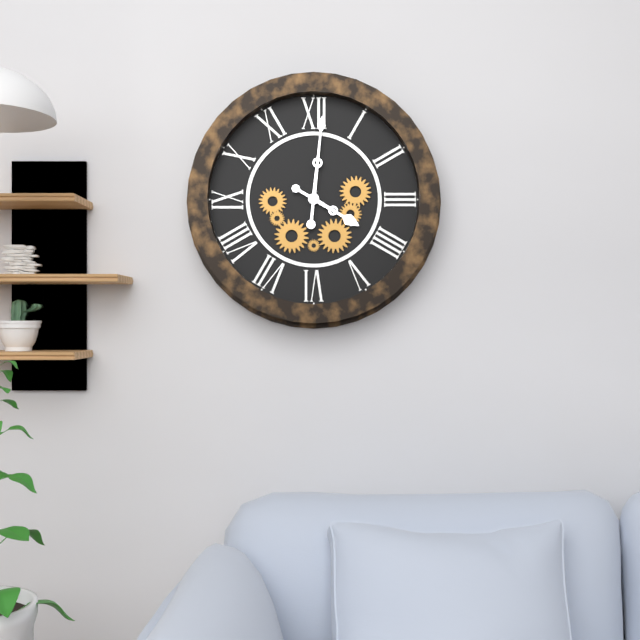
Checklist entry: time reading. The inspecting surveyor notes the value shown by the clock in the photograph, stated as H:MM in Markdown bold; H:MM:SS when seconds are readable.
**4:01**
